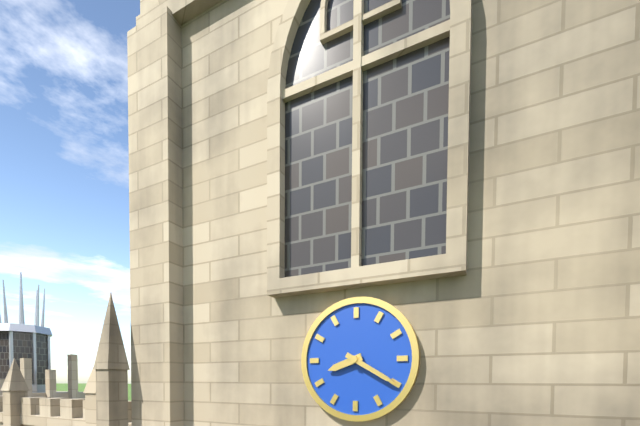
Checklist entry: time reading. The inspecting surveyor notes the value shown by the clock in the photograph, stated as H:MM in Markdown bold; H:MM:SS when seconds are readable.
**8:20**
